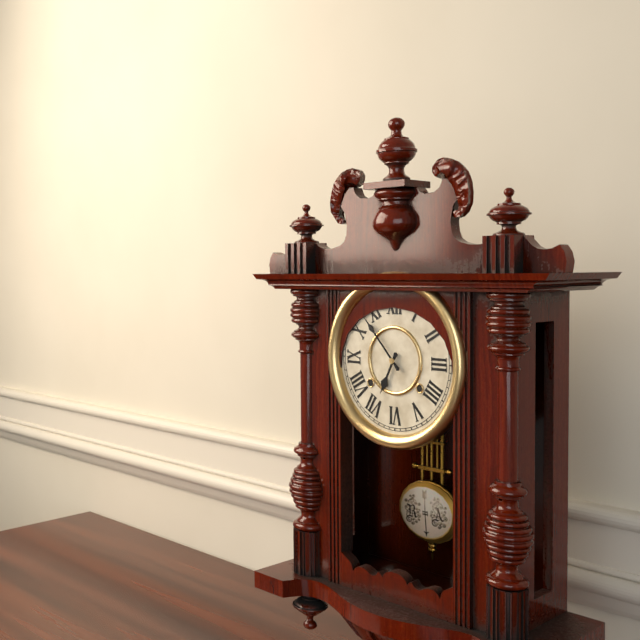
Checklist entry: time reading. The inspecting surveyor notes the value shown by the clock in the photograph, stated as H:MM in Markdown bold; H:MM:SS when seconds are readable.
**6:53**
